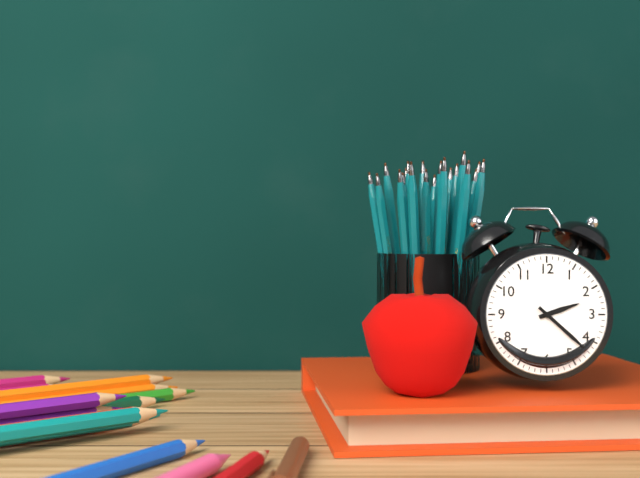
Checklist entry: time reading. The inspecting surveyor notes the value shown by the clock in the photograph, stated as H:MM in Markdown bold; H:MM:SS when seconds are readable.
**2:22**
